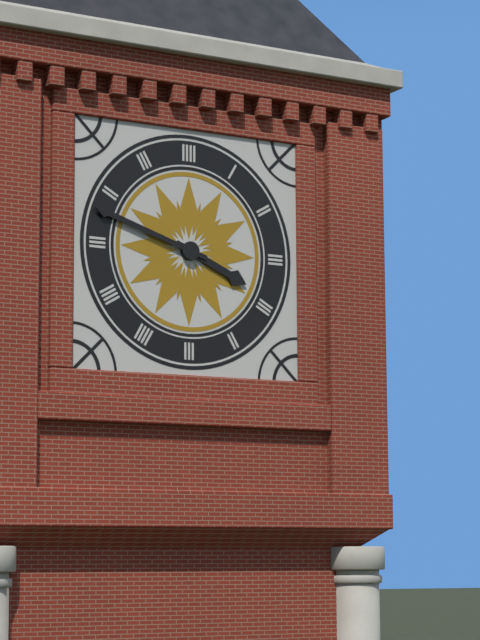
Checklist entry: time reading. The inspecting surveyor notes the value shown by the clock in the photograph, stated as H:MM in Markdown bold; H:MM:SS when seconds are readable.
**3:48**
